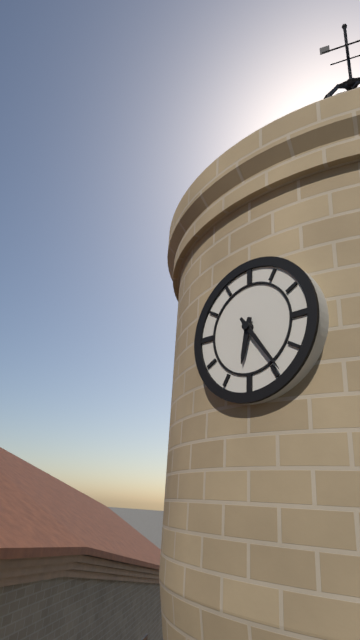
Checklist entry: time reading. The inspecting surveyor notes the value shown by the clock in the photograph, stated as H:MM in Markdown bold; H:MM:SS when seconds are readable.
**6:24**
